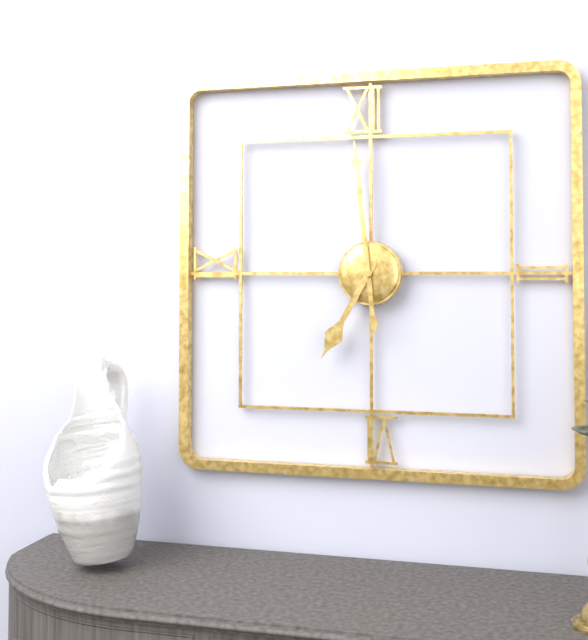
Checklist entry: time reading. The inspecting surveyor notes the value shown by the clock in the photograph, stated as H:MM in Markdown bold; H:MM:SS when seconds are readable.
**6:59**
